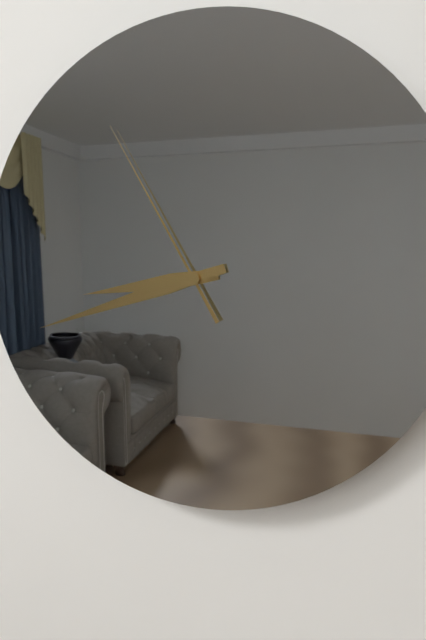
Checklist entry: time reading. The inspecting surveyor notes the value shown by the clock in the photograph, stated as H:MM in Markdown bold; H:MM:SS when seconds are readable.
**8:42:55**
